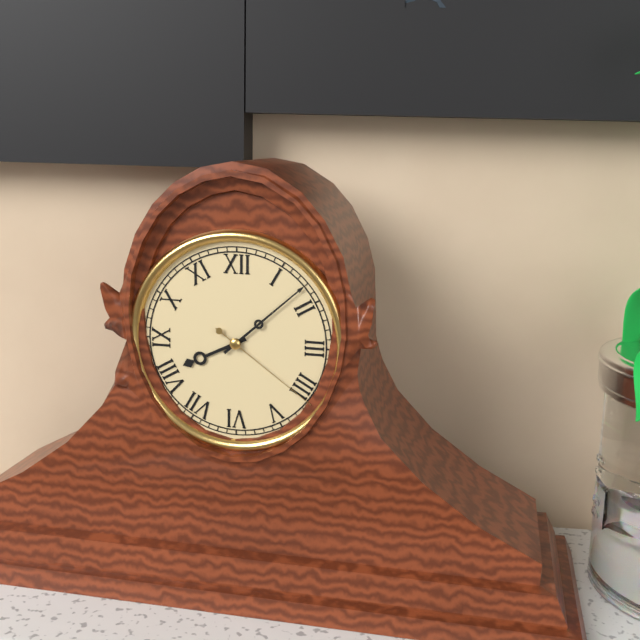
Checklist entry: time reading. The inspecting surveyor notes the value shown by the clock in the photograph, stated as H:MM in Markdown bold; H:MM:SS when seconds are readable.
**8:08:21**
